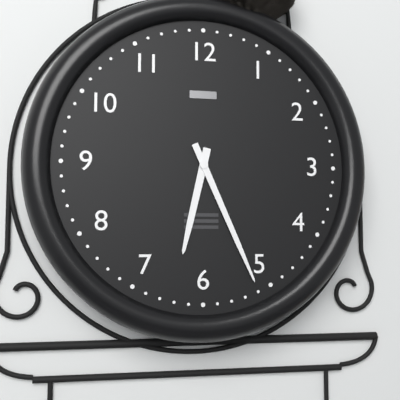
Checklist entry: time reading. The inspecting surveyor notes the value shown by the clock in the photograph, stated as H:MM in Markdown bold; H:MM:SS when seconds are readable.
**6:26**
